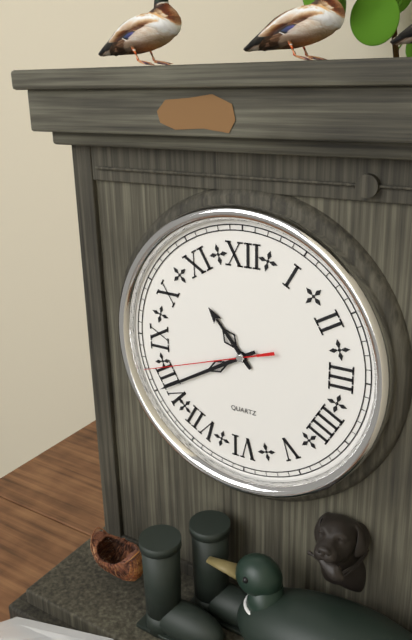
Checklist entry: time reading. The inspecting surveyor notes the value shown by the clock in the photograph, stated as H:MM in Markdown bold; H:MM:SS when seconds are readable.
**10:40:42**
